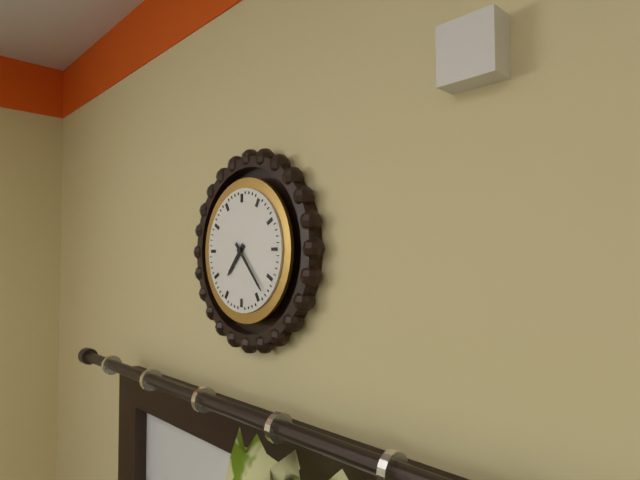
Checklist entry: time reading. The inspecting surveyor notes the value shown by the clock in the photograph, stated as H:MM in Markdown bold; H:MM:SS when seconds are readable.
**7:23**
